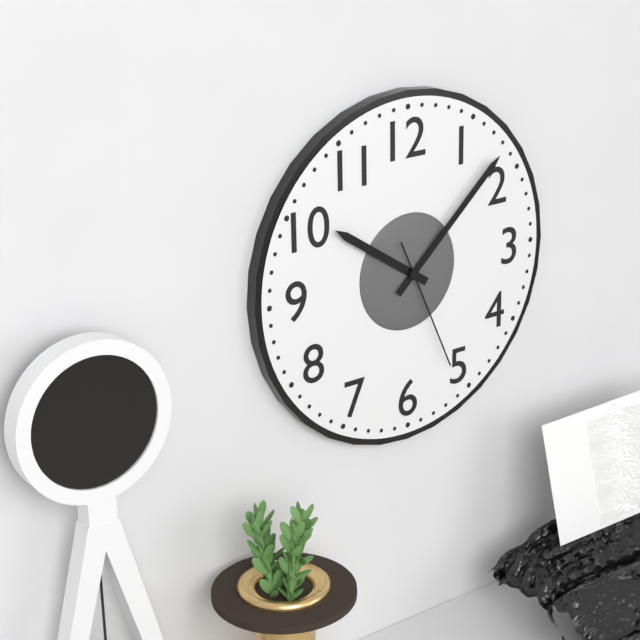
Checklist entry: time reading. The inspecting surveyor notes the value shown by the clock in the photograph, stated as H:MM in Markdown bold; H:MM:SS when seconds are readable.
**10:08:26**
